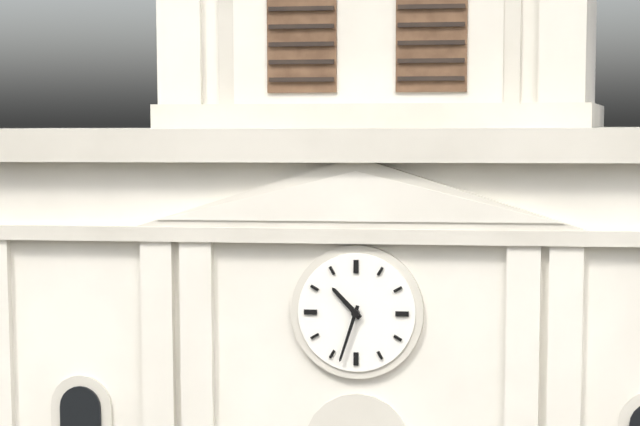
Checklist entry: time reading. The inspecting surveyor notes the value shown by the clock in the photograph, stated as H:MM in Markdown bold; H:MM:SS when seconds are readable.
**10:33**
